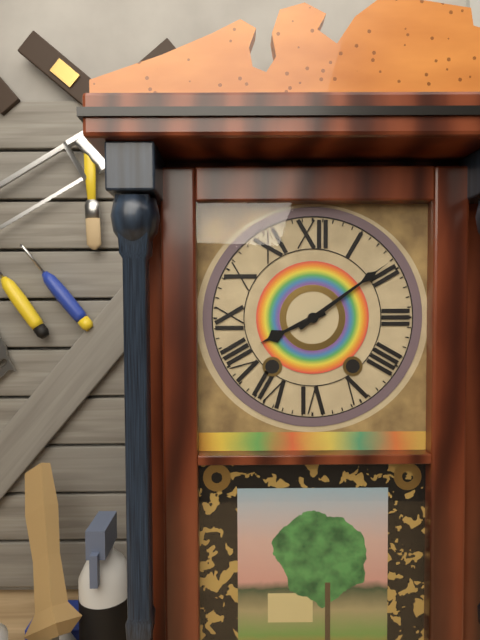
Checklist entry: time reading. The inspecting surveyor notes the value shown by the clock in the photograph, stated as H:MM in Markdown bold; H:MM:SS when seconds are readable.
**8:09**
